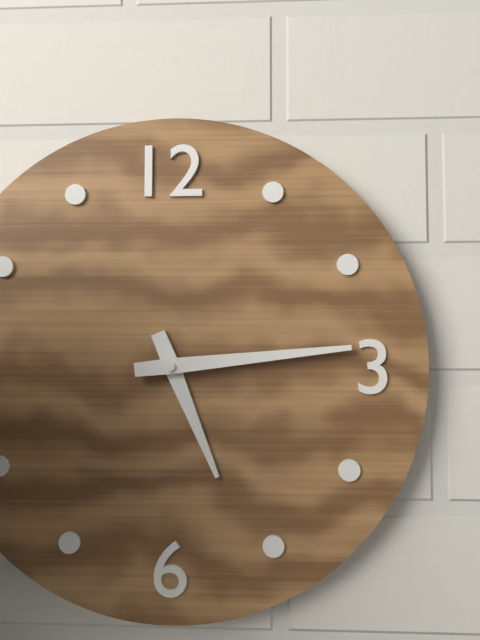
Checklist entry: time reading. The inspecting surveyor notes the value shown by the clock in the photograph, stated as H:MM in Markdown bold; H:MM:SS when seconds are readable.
**5:14**
